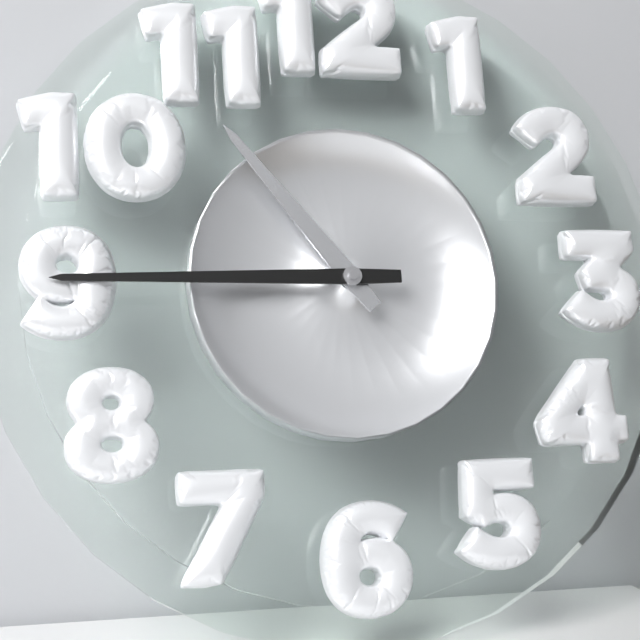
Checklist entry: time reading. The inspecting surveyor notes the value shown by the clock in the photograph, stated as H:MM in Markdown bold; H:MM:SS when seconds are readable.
**10:45**
